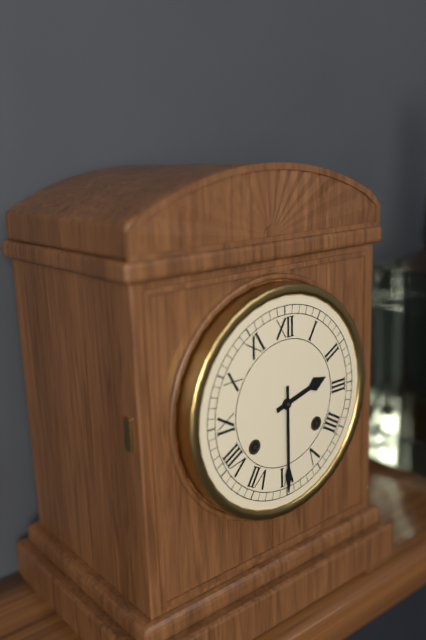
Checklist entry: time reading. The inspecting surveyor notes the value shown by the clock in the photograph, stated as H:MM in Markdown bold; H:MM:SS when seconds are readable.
**2:30**
